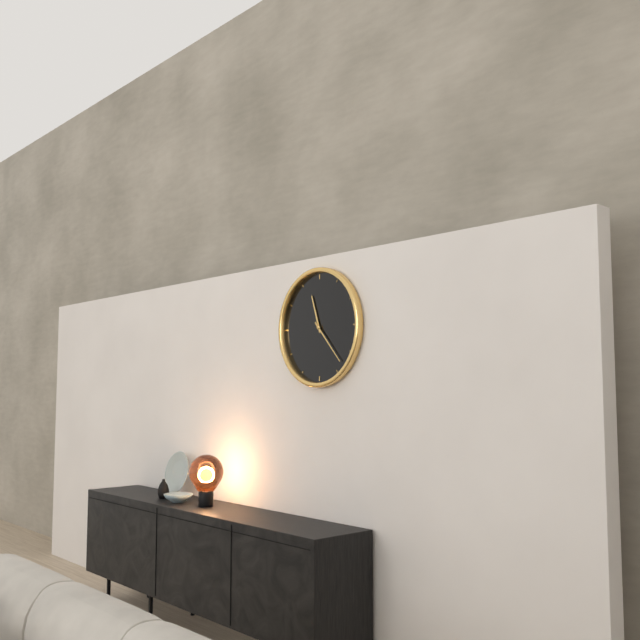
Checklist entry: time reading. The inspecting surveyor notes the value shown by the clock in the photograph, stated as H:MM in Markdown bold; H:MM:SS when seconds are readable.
**11:23**
